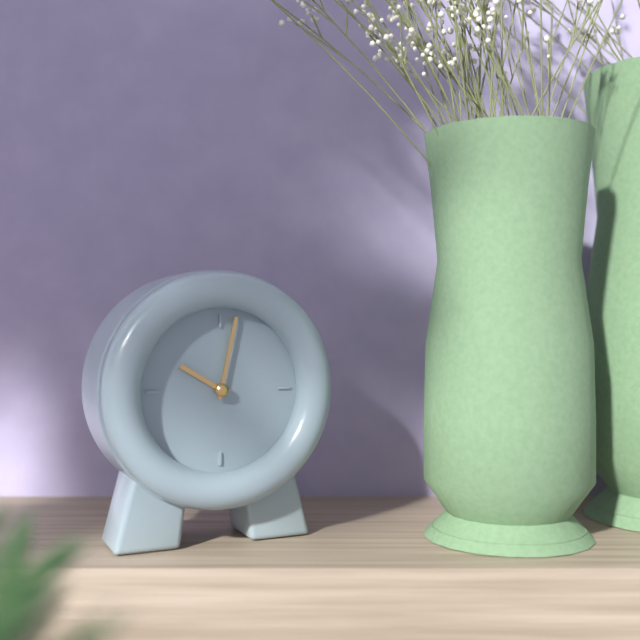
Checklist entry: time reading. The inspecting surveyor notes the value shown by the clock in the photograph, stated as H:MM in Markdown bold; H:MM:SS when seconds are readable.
**10:02**
